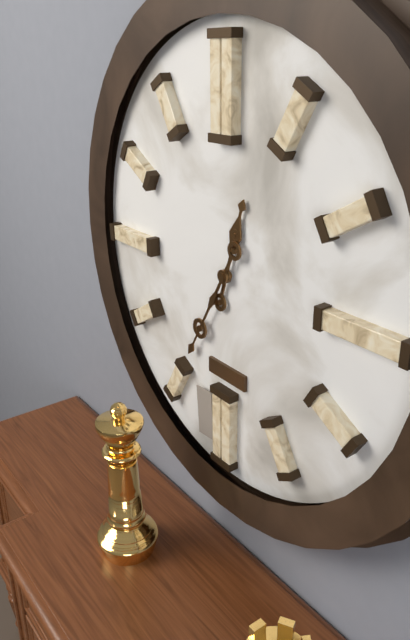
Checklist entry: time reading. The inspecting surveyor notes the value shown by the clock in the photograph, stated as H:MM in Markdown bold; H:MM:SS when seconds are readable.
**12:35**
